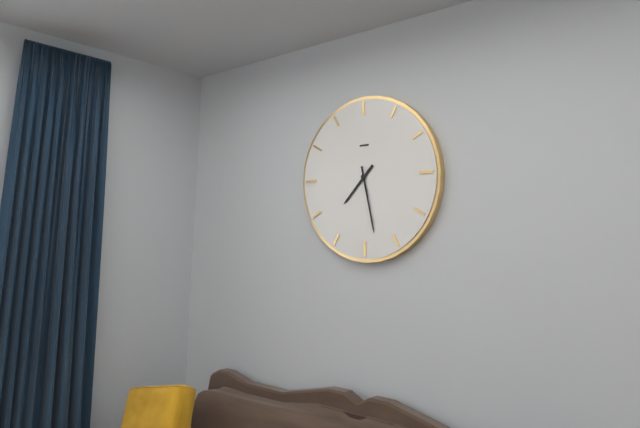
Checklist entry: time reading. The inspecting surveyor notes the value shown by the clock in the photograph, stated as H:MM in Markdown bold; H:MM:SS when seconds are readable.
**7:28**
